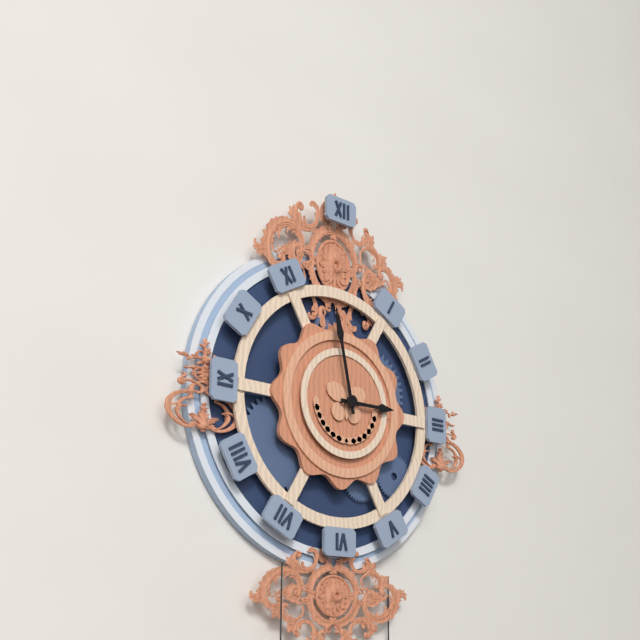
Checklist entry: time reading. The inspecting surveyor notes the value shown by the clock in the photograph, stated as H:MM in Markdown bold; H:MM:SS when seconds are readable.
**2:58**
